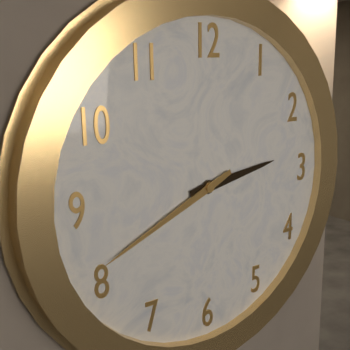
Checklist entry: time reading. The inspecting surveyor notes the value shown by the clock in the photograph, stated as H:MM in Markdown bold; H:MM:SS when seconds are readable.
**2:41**
